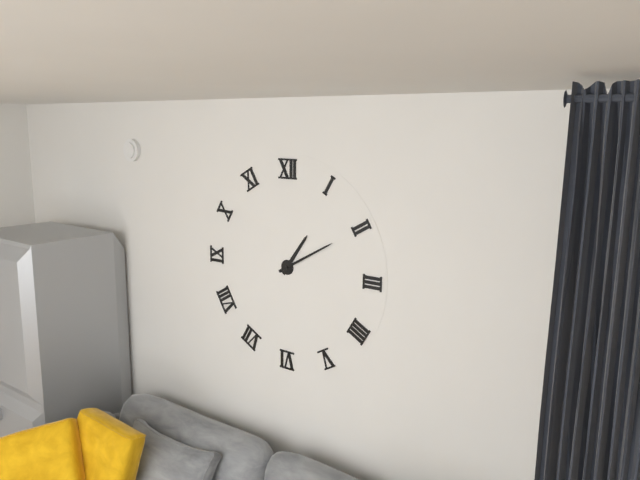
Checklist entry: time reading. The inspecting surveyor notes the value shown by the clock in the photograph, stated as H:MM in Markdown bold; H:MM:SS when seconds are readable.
**1:10**
